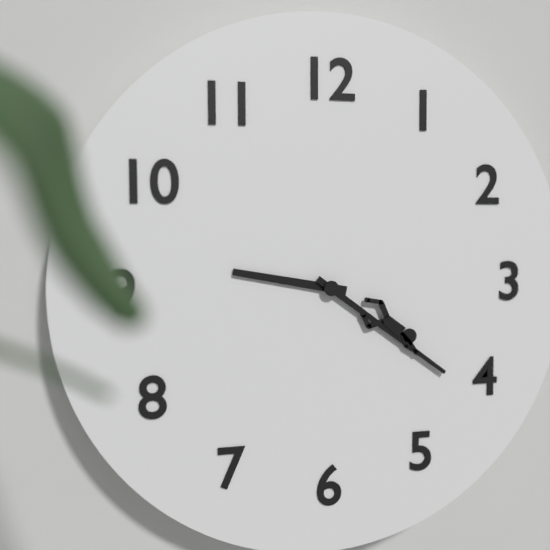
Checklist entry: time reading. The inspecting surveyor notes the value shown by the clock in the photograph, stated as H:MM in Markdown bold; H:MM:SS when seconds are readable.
**9:21**
